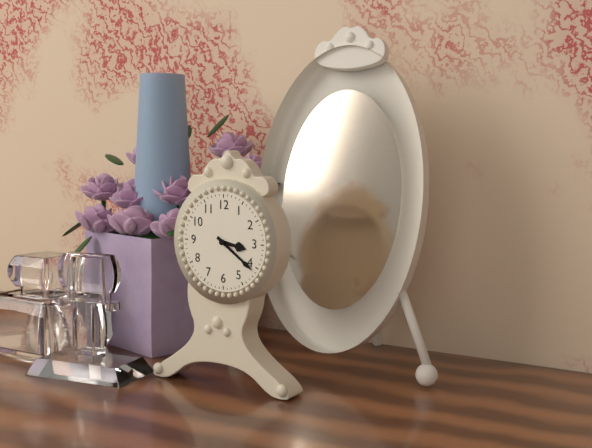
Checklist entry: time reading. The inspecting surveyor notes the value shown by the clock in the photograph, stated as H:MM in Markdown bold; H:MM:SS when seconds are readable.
**3:21**
